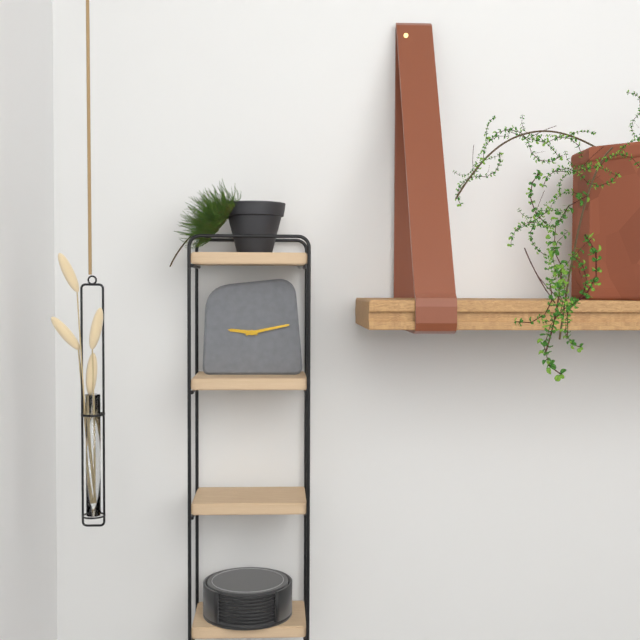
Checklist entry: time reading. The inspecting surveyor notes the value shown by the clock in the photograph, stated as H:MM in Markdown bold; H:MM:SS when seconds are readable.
**9:13**
